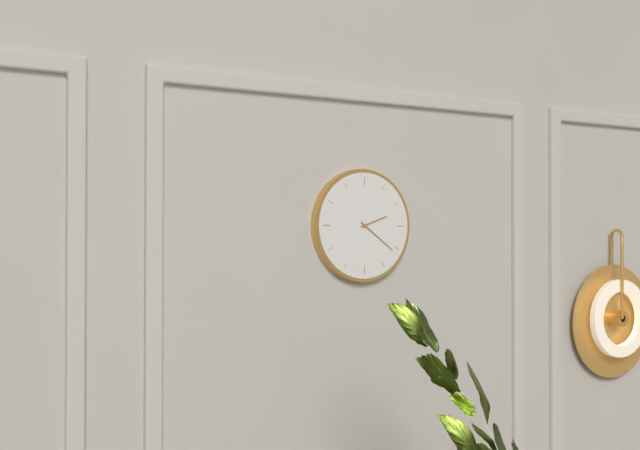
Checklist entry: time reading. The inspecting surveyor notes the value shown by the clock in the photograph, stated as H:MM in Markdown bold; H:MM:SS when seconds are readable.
**2:21**
